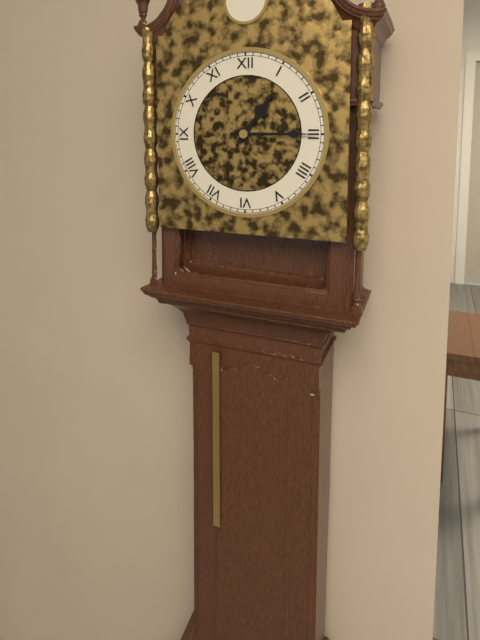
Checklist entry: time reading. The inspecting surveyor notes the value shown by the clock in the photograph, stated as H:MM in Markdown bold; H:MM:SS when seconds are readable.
**1:15**
